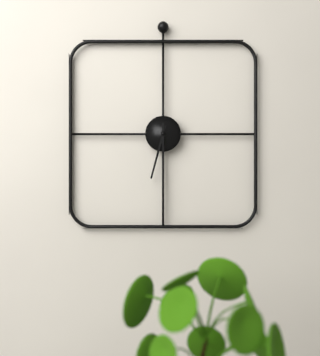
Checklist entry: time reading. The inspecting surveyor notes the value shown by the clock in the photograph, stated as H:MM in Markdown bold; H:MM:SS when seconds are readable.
**6:30**
